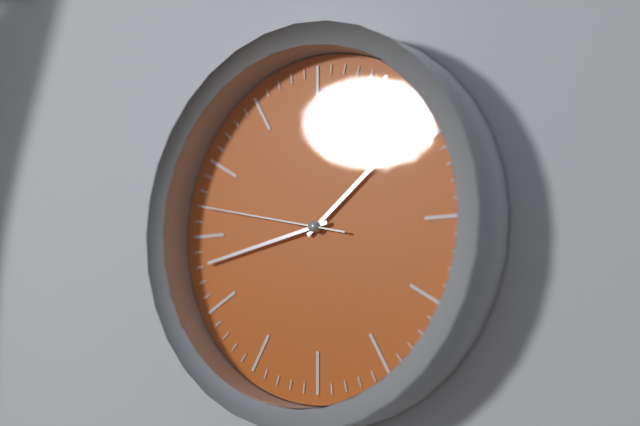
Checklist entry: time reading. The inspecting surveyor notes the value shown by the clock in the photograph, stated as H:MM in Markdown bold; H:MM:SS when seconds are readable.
**1:43:47**
